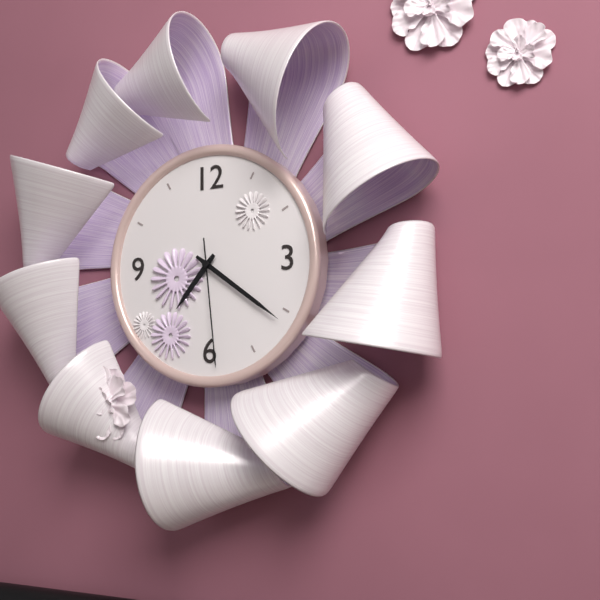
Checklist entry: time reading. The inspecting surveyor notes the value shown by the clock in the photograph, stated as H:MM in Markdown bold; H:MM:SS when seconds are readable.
**7:21:29**
